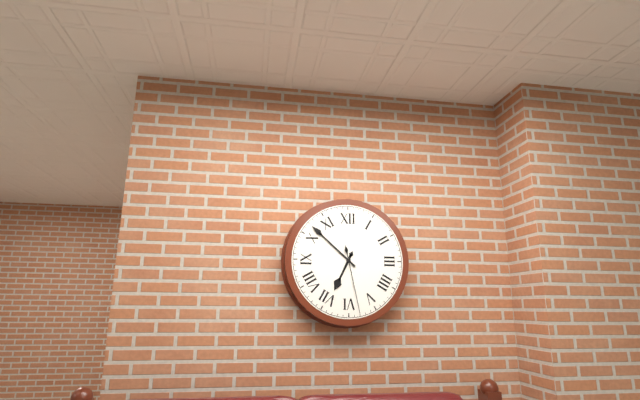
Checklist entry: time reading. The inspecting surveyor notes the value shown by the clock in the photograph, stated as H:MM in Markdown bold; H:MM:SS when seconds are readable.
**6:52:28**
